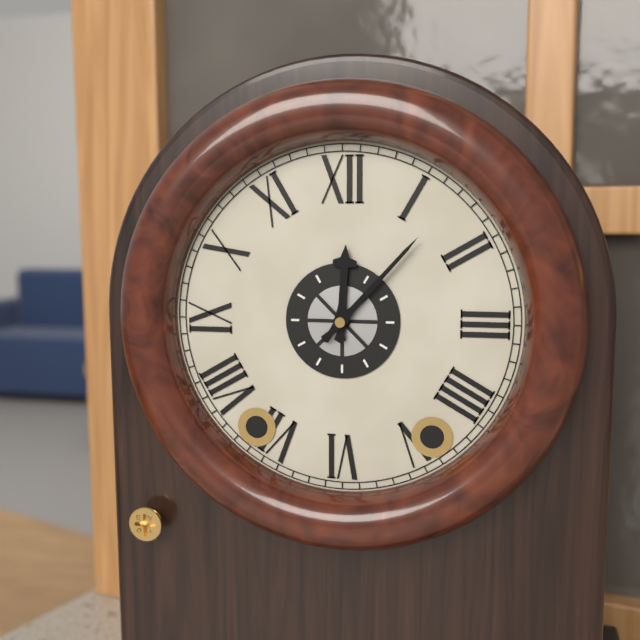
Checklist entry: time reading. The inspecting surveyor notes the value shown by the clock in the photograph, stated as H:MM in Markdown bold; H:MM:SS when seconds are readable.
**12:07**
